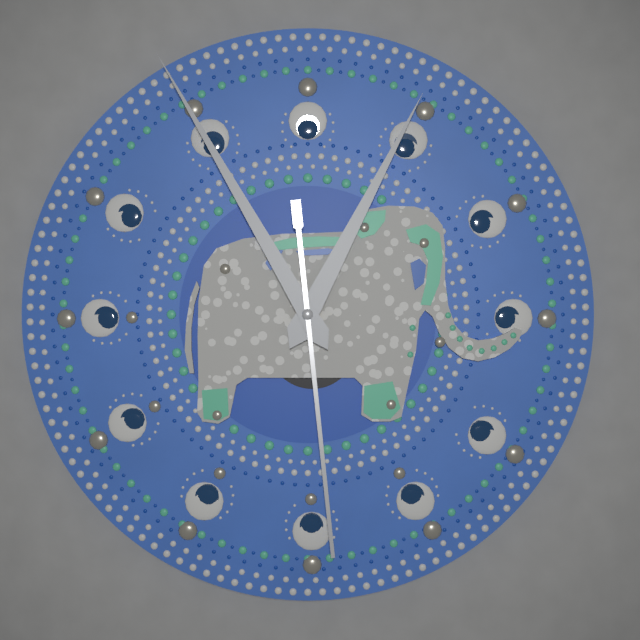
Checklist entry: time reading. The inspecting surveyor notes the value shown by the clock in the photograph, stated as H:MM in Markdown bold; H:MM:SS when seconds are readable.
**12:55:29**
